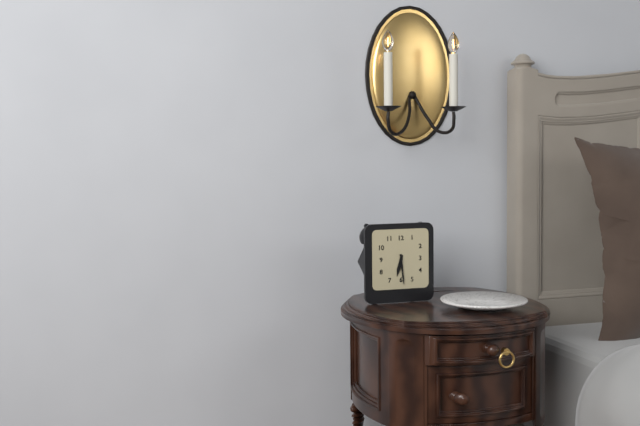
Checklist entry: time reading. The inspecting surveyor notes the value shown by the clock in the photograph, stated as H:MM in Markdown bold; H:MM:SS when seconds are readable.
**6:29**
